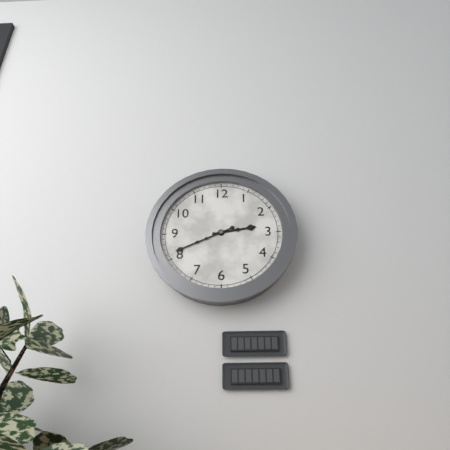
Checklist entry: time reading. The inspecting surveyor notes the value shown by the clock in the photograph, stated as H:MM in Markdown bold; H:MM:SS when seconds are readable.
**2:41**
